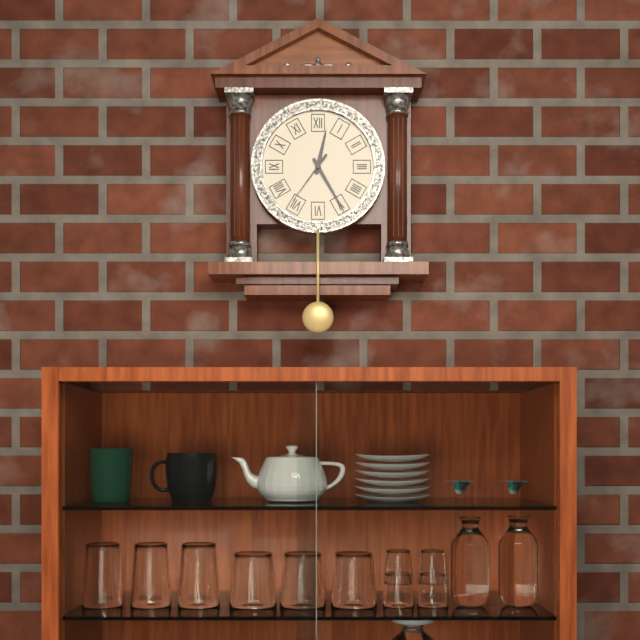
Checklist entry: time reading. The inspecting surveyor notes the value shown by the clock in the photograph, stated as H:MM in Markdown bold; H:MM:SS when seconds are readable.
**12:25:36**
